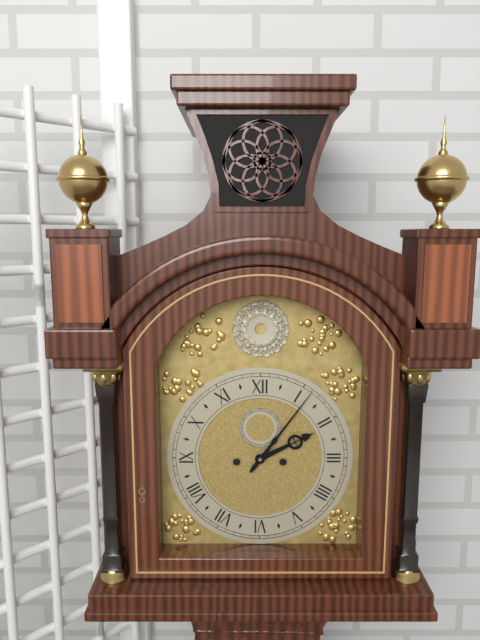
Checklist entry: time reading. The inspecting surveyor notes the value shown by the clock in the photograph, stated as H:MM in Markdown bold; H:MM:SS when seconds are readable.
**2:06**
